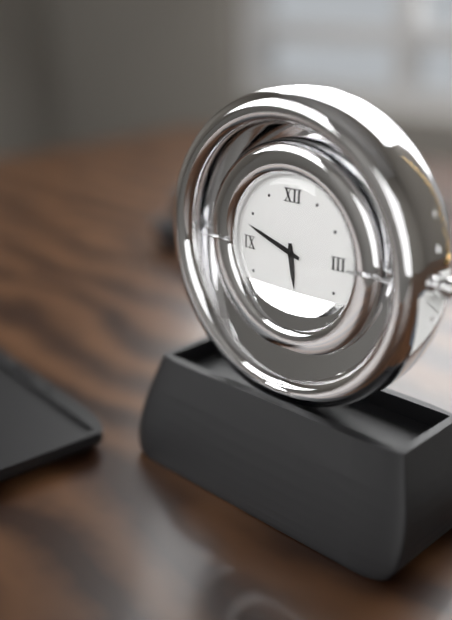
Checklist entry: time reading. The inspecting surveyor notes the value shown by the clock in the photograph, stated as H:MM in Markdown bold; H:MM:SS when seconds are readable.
**5:48**
